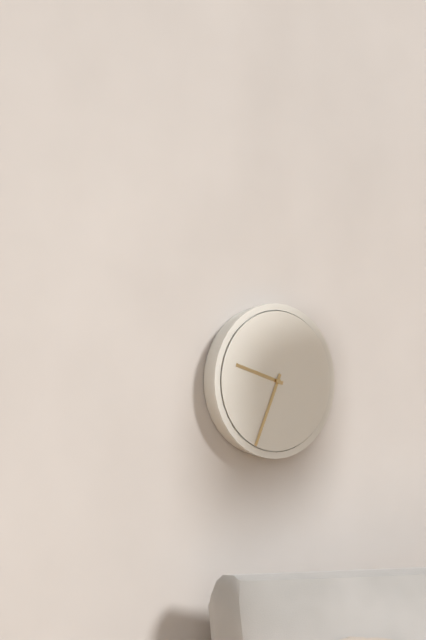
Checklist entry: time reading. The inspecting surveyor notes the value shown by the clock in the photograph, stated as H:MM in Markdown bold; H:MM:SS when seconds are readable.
**9:34**
